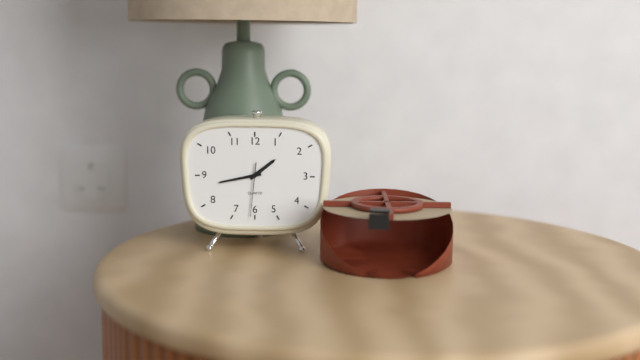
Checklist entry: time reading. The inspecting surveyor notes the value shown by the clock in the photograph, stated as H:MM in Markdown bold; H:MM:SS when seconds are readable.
**1:43:31**
